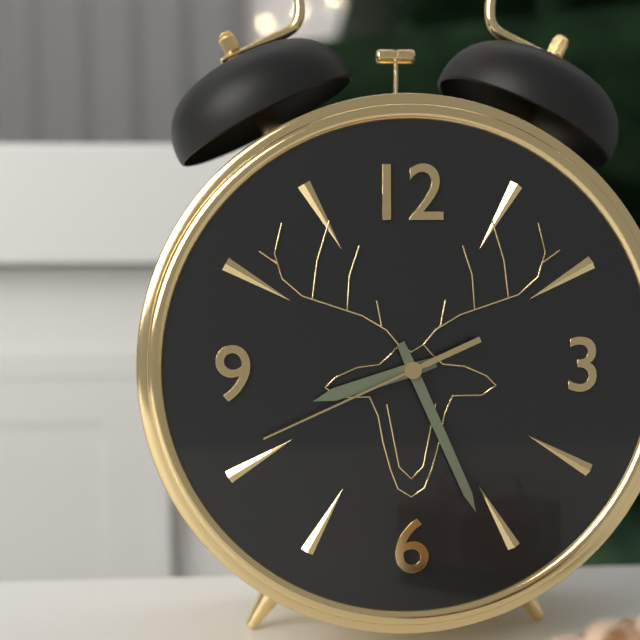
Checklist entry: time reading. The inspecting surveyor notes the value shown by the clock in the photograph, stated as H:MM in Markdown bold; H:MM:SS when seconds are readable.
**8:26:41**
